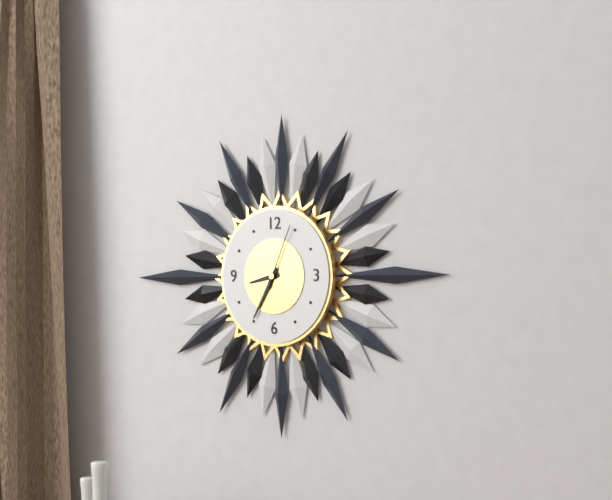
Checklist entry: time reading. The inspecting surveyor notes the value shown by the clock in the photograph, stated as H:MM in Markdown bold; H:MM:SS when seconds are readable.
**8:35:04**
